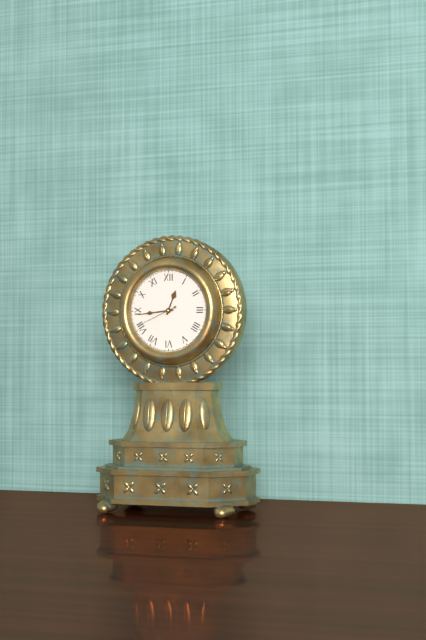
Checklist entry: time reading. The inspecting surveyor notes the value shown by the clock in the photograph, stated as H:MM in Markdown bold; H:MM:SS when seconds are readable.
**12:44**
